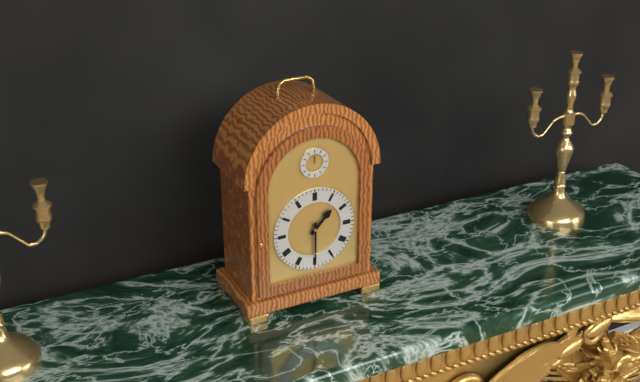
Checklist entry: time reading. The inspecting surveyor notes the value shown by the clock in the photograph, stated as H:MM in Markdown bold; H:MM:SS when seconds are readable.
**1:30**
